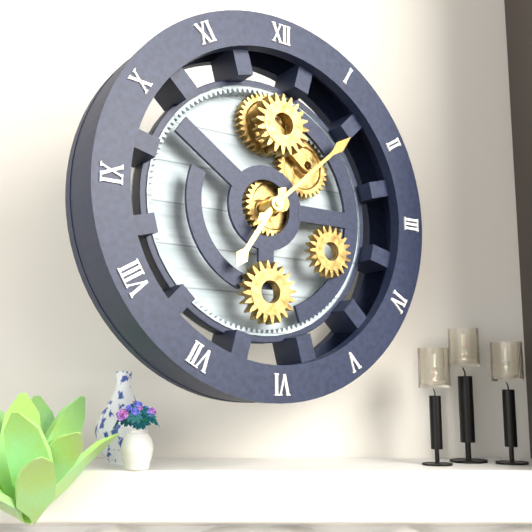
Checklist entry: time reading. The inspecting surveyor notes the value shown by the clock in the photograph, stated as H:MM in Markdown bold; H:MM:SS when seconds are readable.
**7:08**
